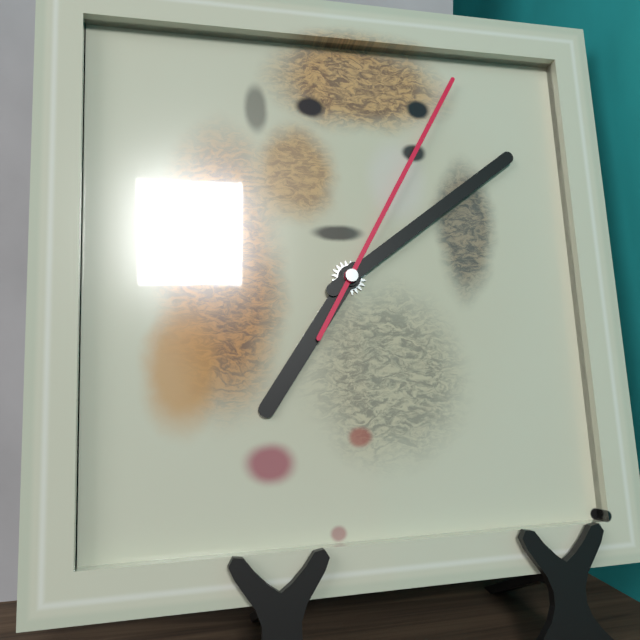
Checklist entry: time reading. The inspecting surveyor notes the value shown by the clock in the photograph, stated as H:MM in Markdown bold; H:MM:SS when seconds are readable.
**7:09:05**
